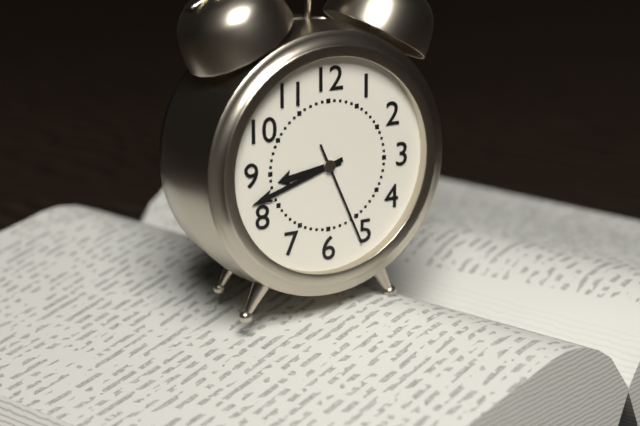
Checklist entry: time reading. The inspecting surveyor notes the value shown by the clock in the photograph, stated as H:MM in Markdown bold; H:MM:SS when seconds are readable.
**8:42:26**
